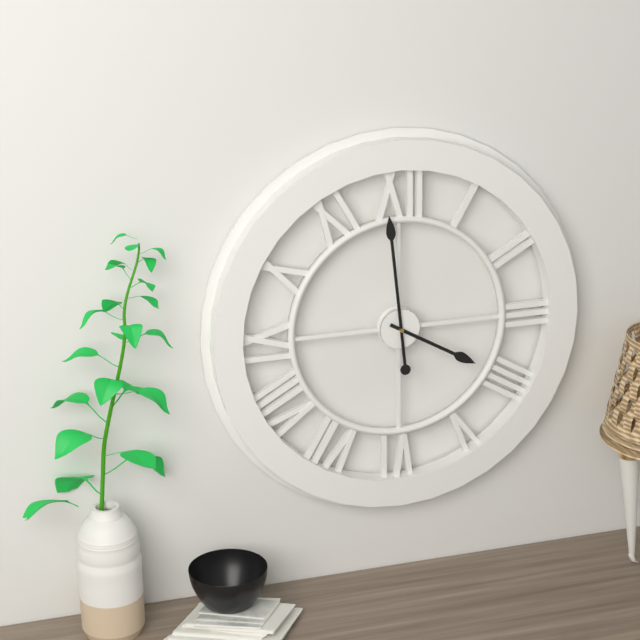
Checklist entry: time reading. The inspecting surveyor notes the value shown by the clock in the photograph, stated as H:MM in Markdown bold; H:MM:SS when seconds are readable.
**3:59**
